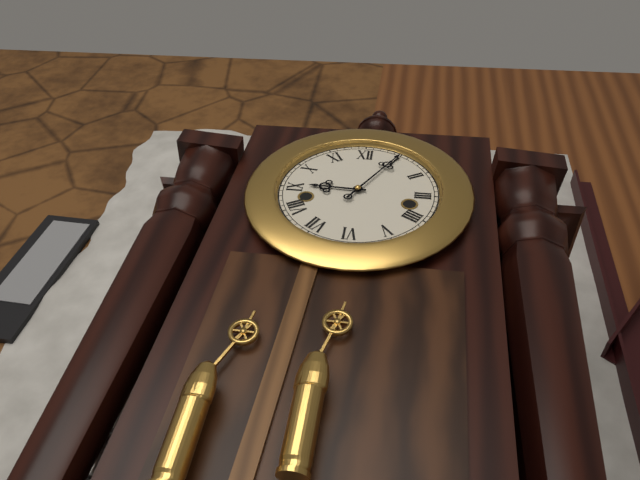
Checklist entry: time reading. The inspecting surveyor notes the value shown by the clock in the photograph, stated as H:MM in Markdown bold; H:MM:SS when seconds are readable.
**9:05**
